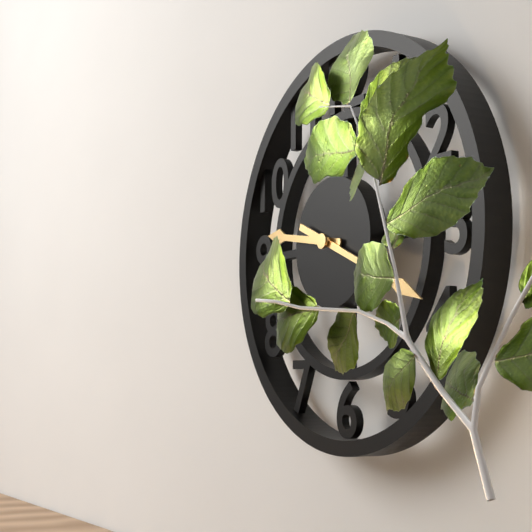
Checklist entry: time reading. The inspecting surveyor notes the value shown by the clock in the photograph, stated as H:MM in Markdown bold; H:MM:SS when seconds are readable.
**9:19**
